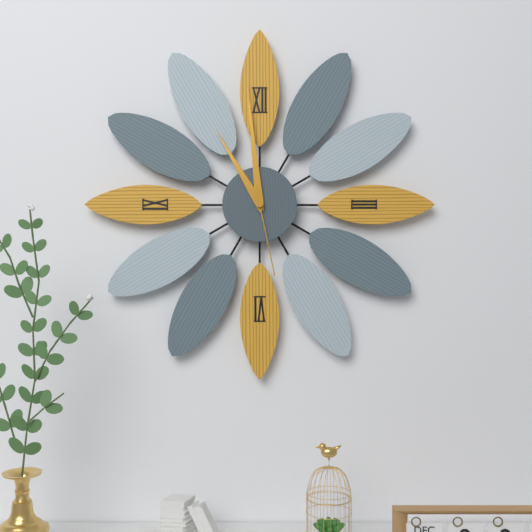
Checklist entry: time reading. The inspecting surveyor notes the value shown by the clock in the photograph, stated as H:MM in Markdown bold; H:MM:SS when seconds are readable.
**10:59:28**
